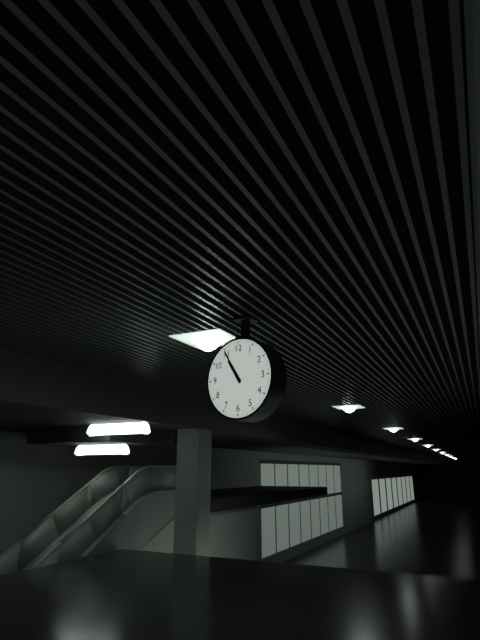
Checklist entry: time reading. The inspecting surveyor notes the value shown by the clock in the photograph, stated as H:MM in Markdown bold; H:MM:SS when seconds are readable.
**10:55**
